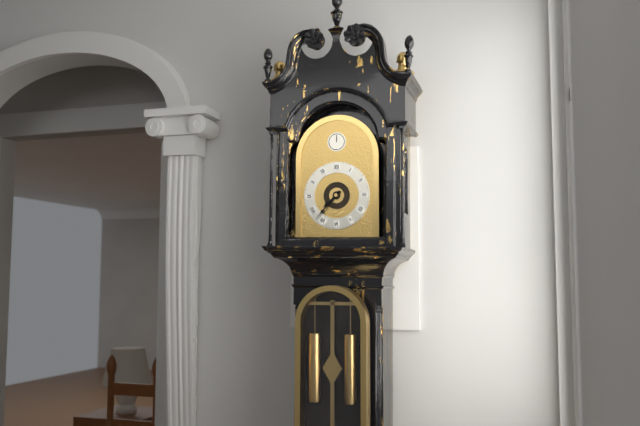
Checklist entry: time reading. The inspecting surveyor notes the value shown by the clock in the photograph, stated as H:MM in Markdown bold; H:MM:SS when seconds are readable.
**7:37**
